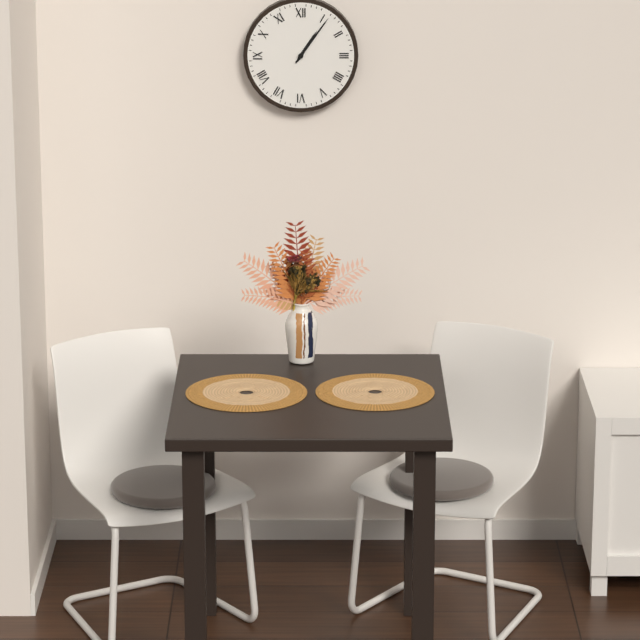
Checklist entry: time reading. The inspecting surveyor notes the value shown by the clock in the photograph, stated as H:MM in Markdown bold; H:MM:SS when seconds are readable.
**1:06**
